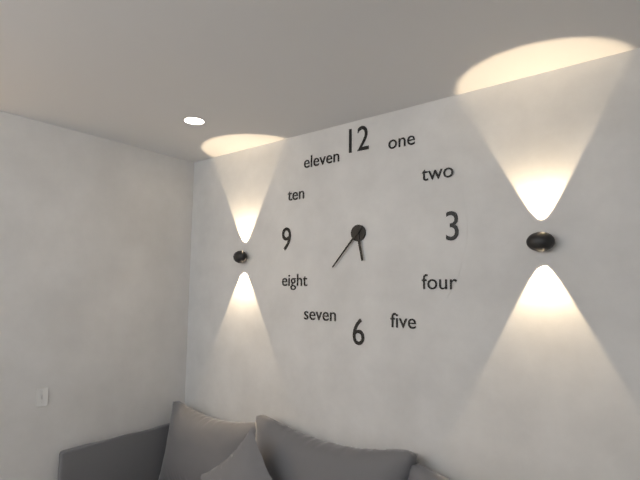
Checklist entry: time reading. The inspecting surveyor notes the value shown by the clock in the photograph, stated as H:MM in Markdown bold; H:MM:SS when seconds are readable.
**5:37**
